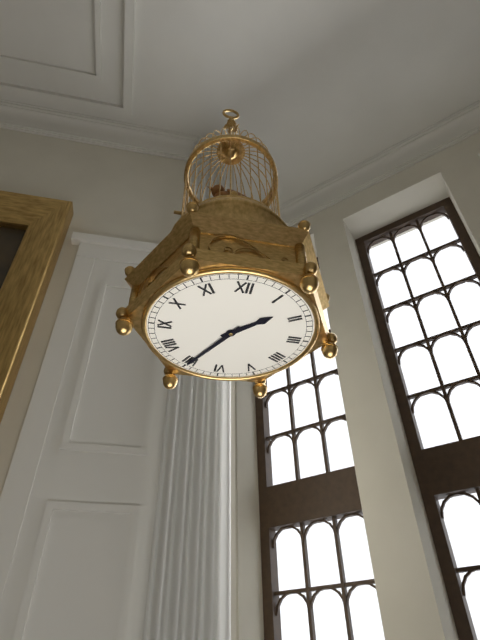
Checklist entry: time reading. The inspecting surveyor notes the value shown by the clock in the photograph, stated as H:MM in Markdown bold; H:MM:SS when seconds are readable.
**1:35**
